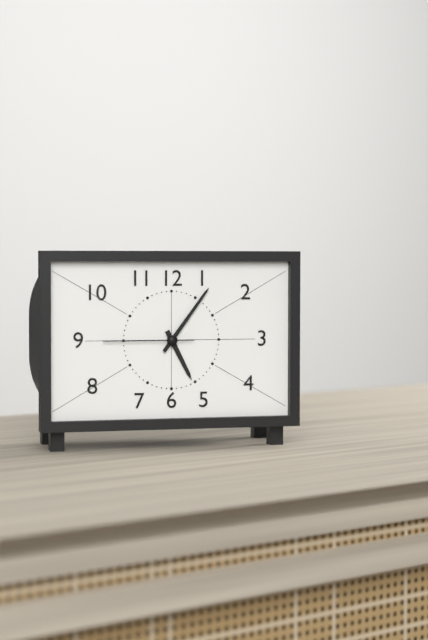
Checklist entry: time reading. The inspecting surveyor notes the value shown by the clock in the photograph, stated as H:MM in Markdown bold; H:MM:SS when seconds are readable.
**5:06:45**
